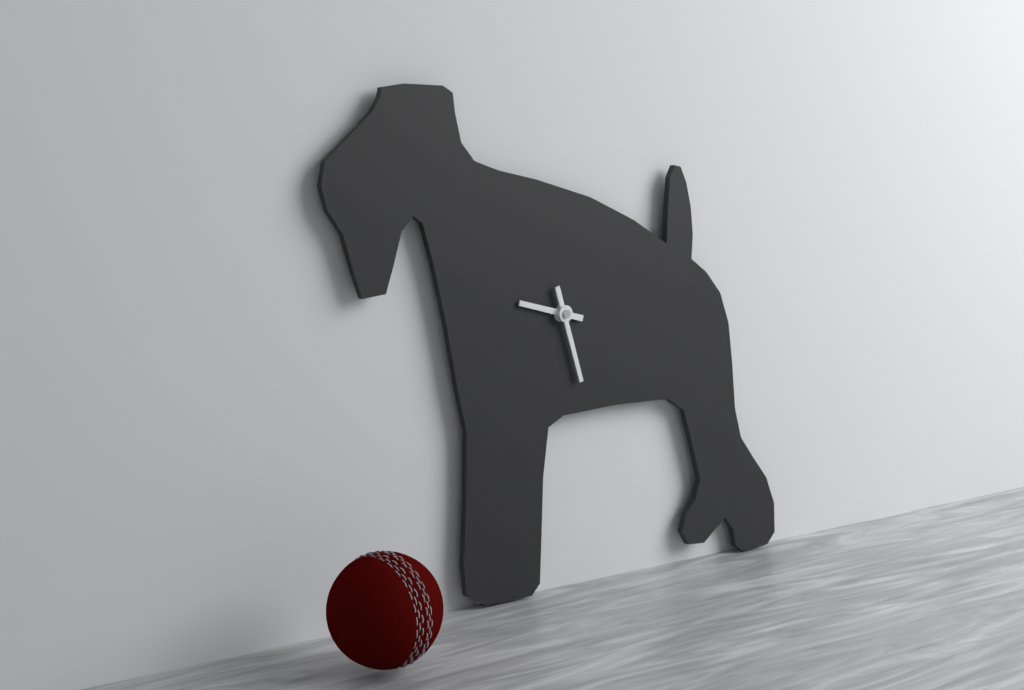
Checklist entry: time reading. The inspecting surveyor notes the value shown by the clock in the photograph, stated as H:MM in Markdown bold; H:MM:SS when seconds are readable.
**9:27**
